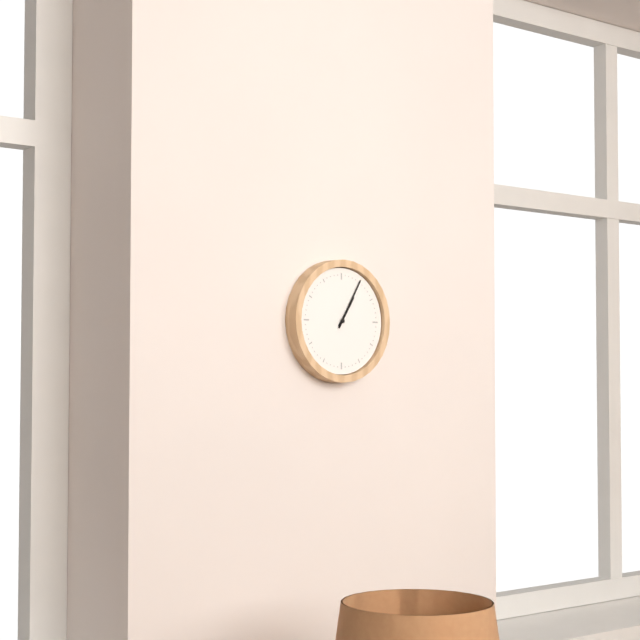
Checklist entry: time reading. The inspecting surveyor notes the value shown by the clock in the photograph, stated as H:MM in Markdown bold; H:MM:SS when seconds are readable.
**1:05**
